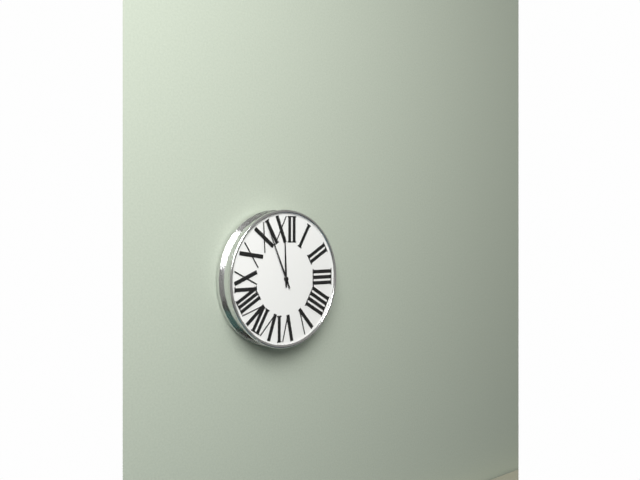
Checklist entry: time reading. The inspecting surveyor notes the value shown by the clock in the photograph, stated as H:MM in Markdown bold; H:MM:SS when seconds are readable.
**11:56**
